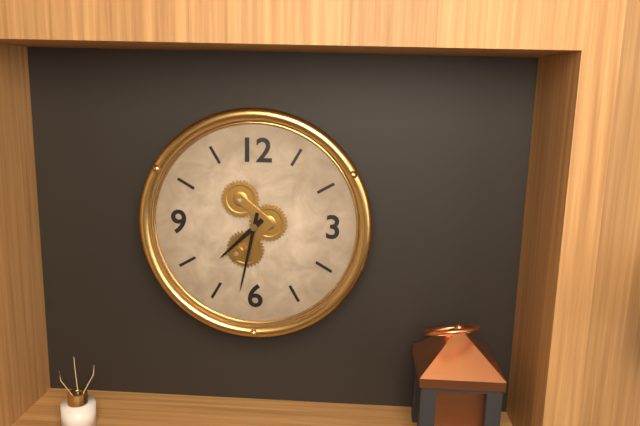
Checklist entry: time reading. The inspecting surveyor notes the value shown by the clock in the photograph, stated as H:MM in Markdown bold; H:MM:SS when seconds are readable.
**7:32**
